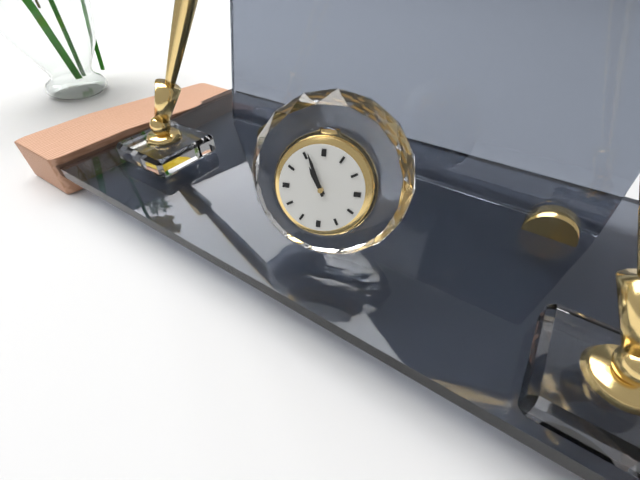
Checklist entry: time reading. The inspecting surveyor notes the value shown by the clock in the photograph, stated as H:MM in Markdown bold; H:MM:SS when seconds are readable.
**10:56**
